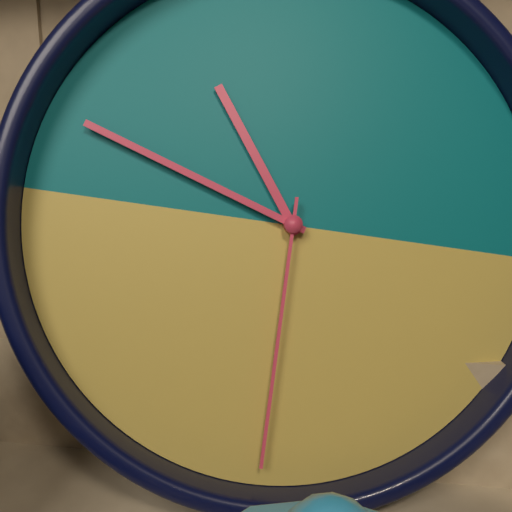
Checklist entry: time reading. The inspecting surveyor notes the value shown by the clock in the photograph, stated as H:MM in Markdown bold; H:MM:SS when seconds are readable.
**10:48:30**
